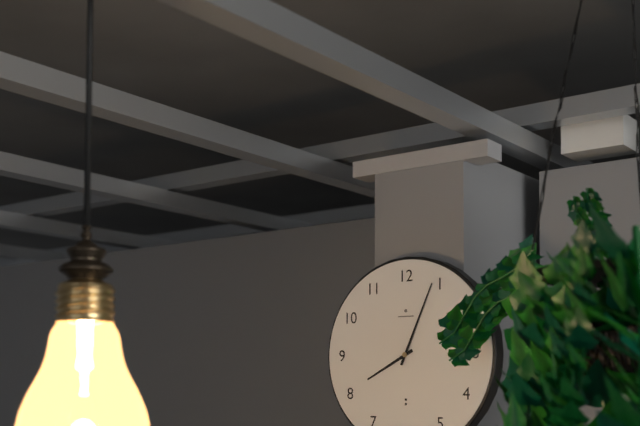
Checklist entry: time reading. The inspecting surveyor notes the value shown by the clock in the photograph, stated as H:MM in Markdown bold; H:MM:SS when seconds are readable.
**8:04**
